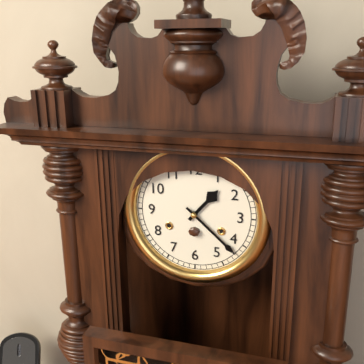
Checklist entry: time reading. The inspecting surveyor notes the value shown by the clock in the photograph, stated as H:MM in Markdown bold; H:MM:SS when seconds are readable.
**1:22**
